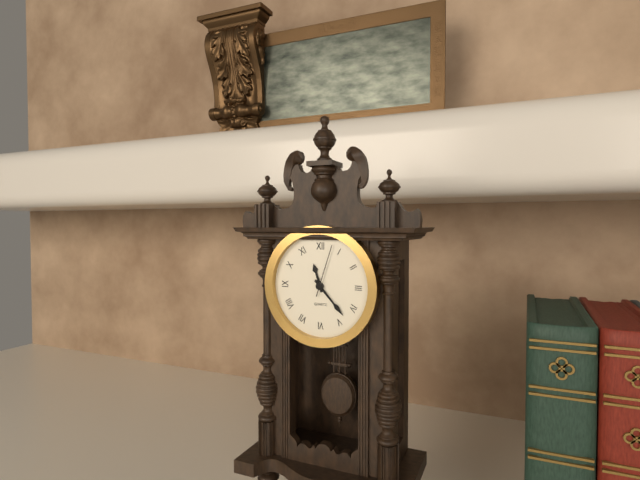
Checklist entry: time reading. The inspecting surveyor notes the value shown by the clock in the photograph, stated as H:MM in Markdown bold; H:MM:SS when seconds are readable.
**11:23:03**
